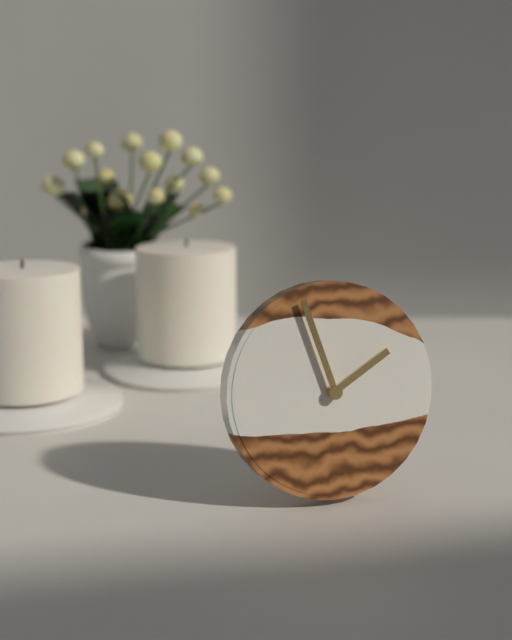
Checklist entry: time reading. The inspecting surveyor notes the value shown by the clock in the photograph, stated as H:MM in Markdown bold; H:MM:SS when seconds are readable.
**1:57**
